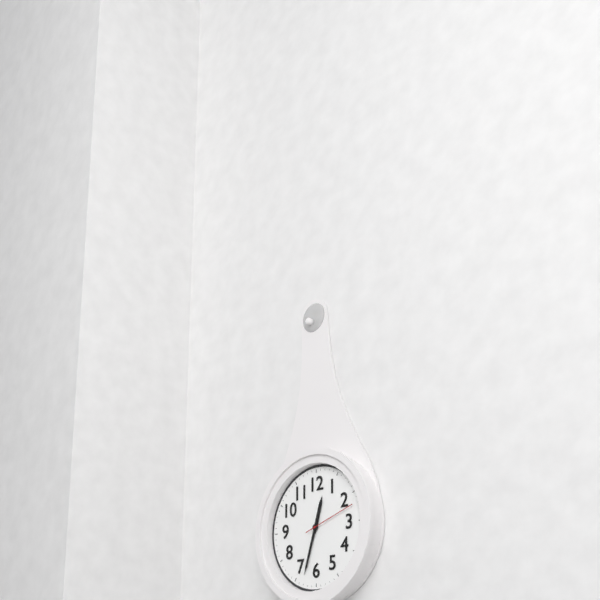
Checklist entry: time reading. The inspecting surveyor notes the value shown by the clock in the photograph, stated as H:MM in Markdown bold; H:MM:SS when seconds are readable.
**12:33:12**
